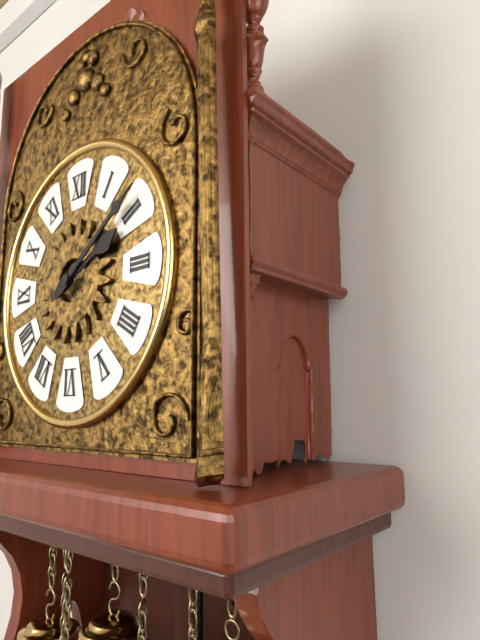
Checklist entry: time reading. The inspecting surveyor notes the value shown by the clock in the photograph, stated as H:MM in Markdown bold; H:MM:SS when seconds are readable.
**2:09**
